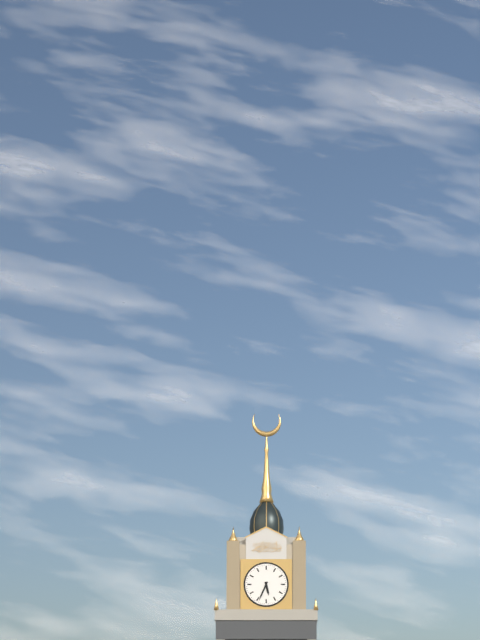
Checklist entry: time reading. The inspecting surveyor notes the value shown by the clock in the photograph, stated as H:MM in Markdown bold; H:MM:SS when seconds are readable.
**5:34**
